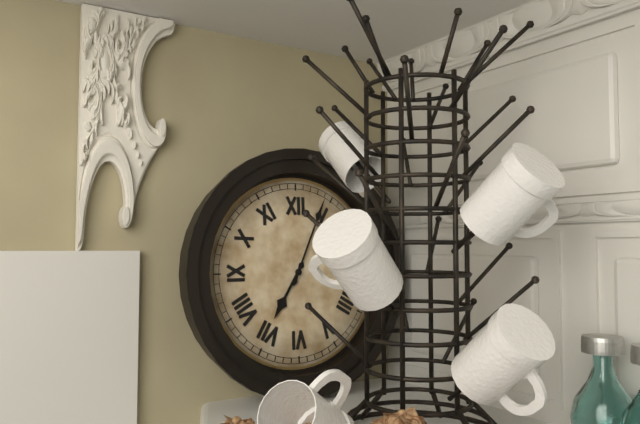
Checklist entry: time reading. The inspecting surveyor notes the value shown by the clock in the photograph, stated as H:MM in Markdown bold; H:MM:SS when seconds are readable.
**7:04**
